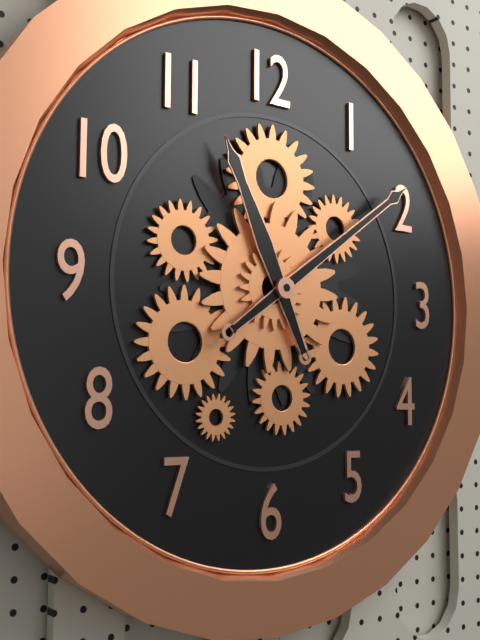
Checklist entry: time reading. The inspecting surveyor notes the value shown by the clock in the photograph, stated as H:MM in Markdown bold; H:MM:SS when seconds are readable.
**11:09**
